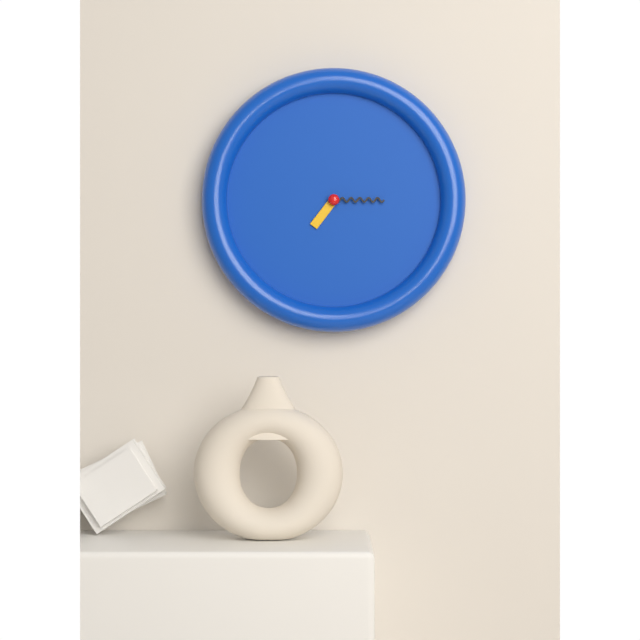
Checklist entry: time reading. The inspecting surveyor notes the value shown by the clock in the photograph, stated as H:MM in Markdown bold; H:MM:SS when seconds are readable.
**7:15**
